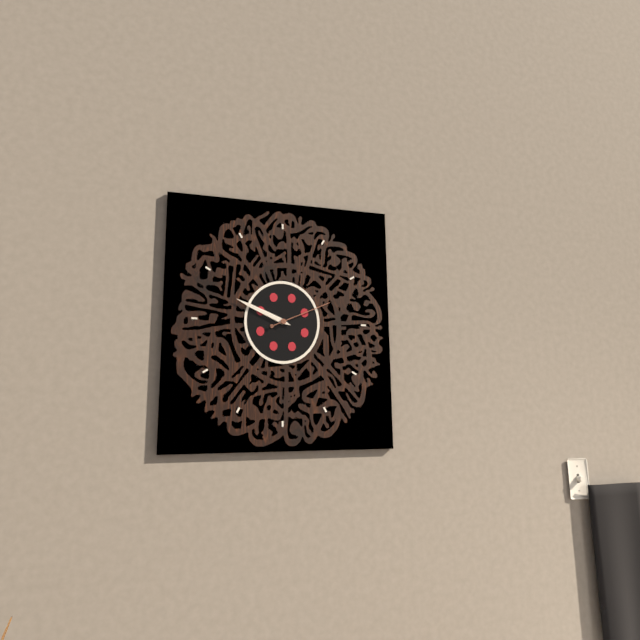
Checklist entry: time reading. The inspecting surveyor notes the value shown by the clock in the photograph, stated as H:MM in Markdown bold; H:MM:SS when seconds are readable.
**9:49:11**
